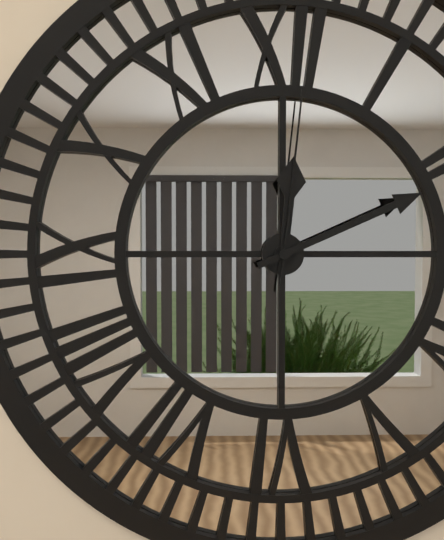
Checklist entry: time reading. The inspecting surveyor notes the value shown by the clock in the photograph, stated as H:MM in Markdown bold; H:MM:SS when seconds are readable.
**12:11:01**
